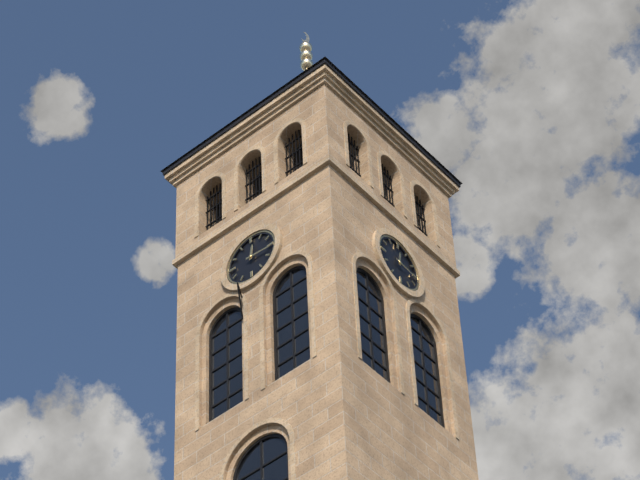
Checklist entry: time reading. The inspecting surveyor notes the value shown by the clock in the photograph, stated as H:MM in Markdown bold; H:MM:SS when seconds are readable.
**12:16**
